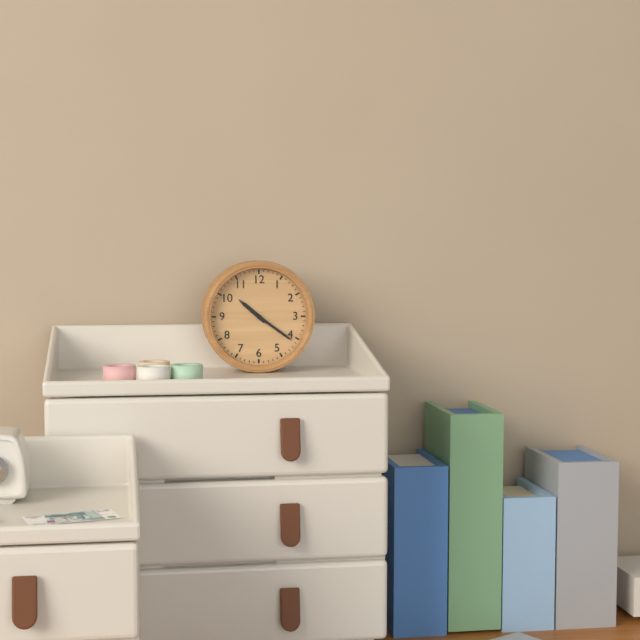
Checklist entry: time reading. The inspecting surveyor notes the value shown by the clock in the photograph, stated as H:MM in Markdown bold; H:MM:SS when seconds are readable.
**10:21**
